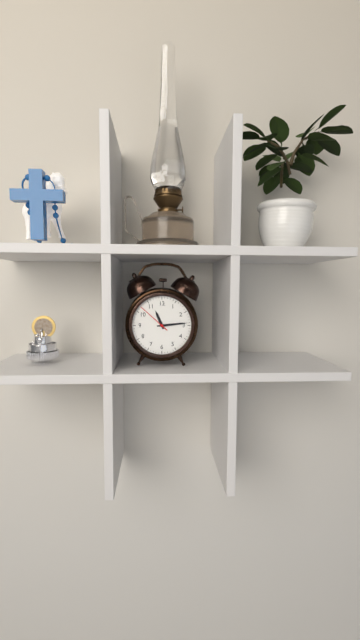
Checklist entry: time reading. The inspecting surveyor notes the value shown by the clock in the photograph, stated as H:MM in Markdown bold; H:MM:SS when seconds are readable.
**11:14**
